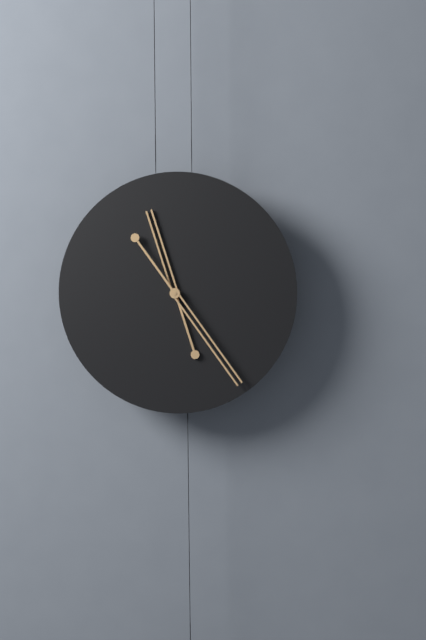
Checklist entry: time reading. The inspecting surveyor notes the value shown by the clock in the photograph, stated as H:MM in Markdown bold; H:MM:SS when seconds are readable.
**11:24**
